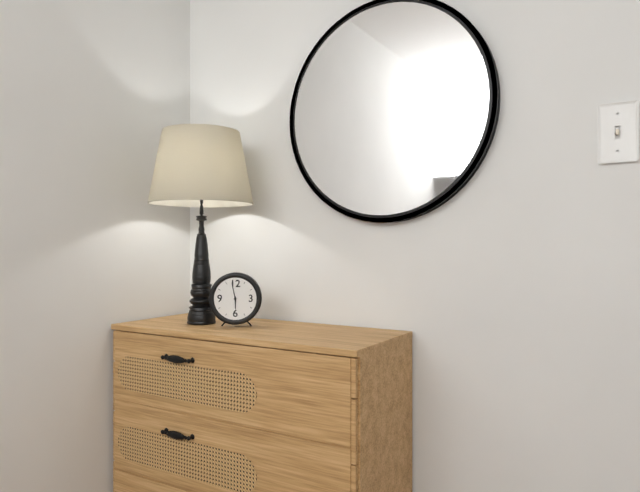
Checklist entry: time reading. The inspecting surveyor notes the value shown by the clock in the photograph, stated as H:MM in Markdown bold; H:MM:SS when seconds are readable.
**5:58**
